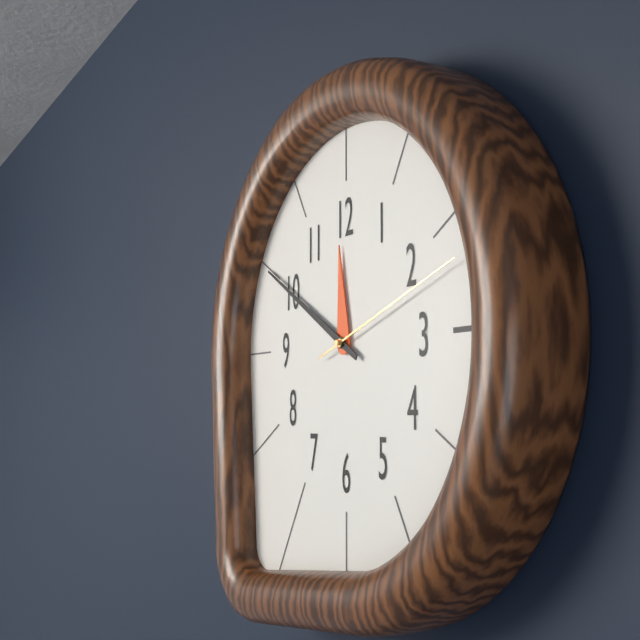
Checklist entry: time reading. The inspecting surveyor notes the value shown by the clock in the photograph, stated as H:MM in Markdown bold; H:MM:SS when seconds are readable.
**11:50:12**
